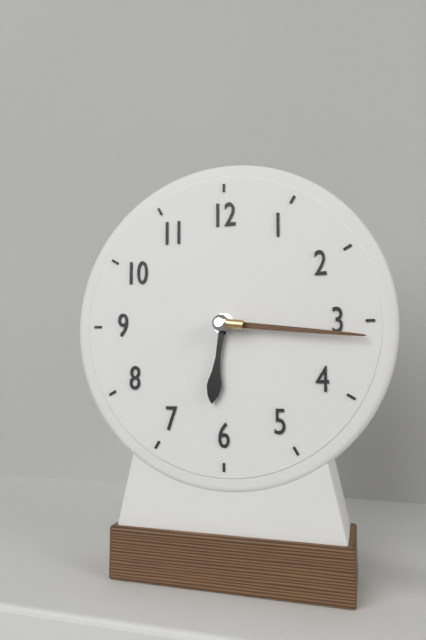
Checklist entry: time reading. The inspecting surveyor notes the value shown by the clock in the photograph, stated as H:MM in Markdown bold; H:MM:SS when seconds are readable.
**6:16**
